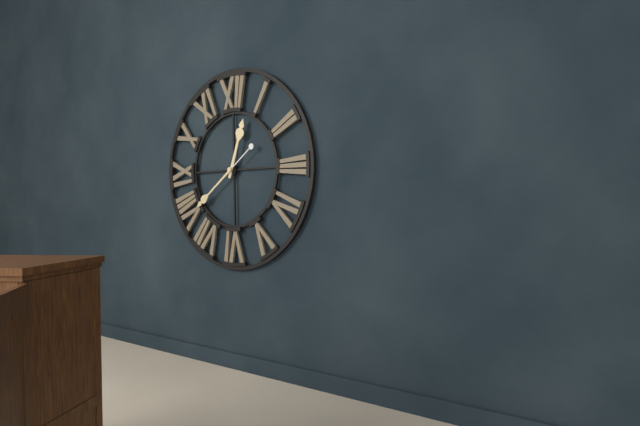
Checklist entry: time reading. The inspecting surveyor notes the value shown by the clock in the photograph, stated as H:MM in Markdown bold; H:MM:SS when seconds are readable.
**12:39**
